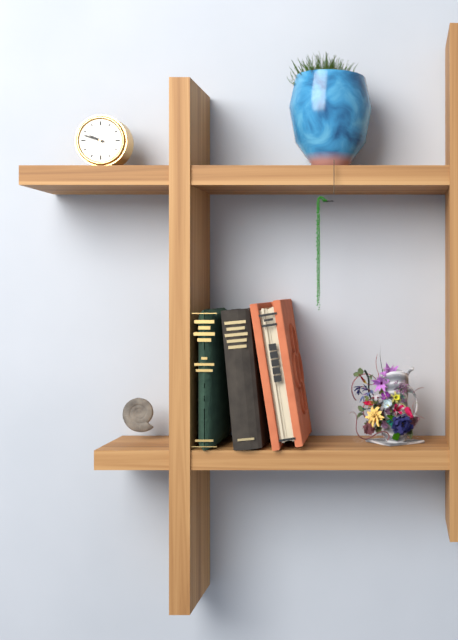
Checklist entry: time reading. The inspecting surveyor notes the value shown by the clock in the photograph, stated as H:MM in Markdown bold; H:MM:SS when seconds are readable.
**9:48**
